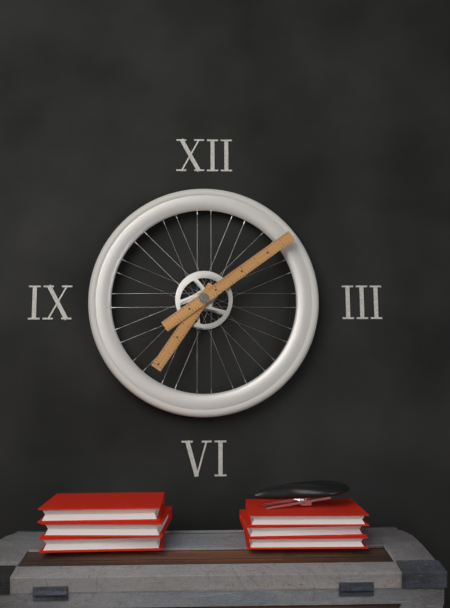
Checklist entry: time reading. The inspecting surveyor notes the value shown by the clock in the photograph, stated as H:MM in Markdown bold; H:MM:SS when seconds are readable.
**7:09**
